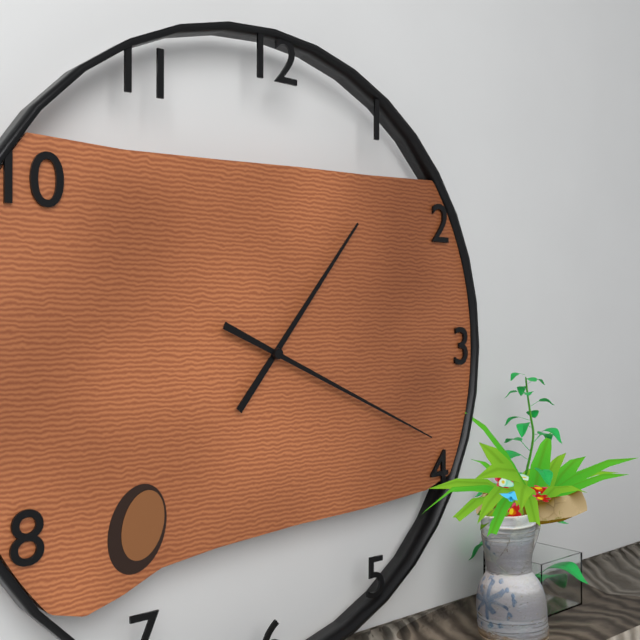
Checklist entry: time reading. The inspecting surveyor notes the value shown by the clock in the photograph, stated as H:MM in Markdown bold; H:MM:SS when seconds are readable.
**1:19**
